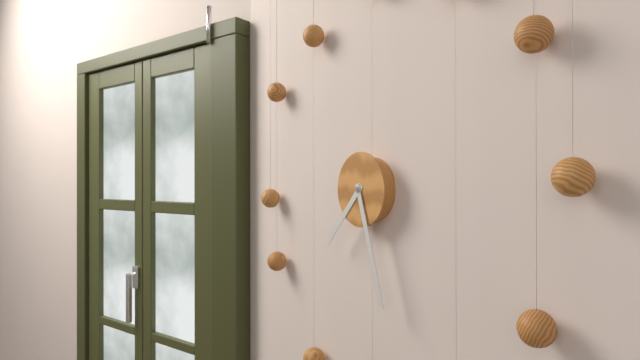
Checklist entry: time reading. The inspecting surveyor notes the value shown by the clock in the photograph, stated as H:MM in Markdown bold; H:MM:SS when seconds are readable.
**7:27**
